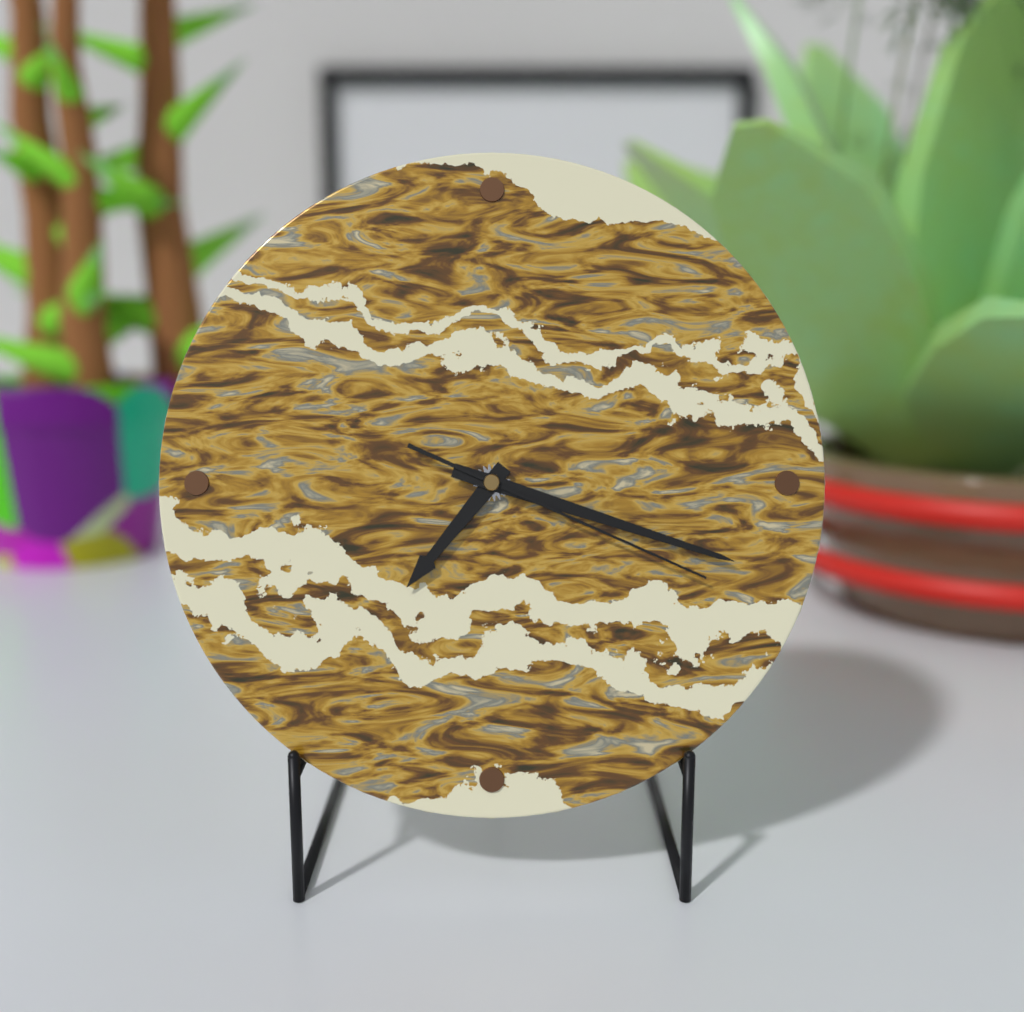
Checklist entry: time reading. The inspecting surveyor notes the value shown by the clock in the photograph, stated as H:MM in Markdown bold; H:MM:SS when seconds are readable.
**7:18:19**
